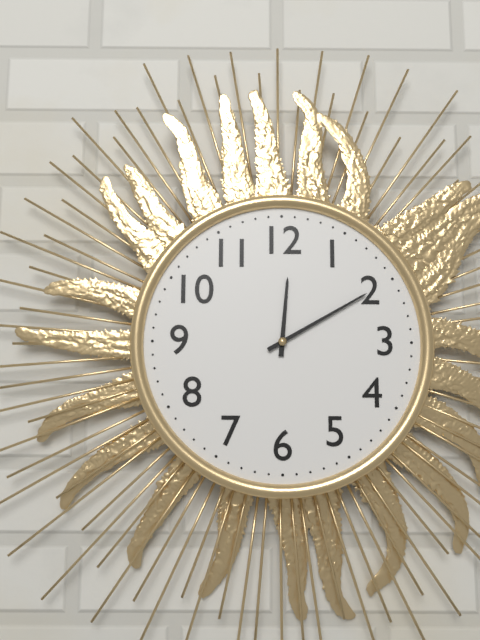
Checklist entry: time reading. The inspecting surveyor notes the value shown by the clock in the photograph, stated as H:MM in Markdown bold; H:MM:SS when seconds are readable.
**12:10**
